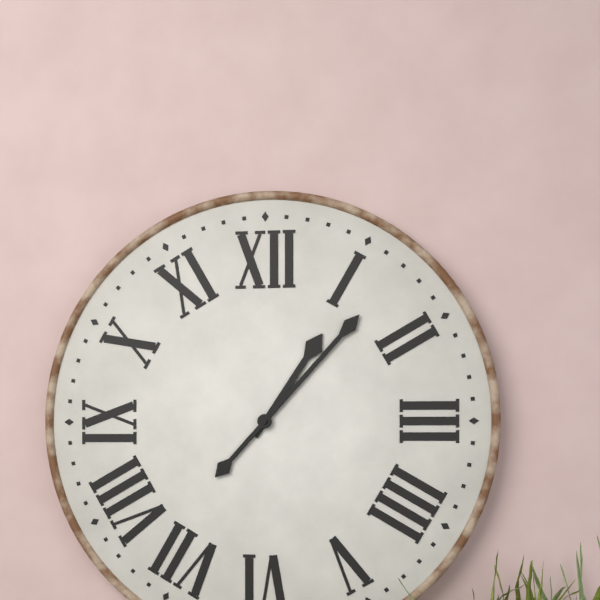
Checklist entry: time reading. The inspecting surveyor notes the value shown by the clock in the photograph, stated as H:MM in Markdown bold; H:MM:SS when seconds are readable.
**1:07**
